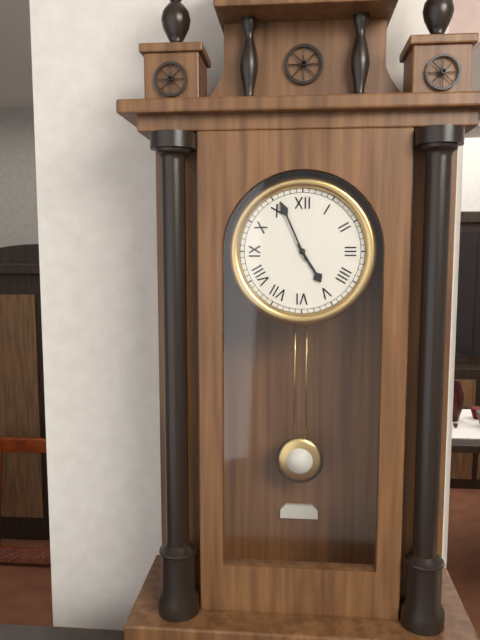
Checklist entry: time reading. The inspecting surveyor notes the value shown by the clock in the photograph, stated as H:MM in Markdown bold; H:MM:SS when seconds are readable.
**4:56**
